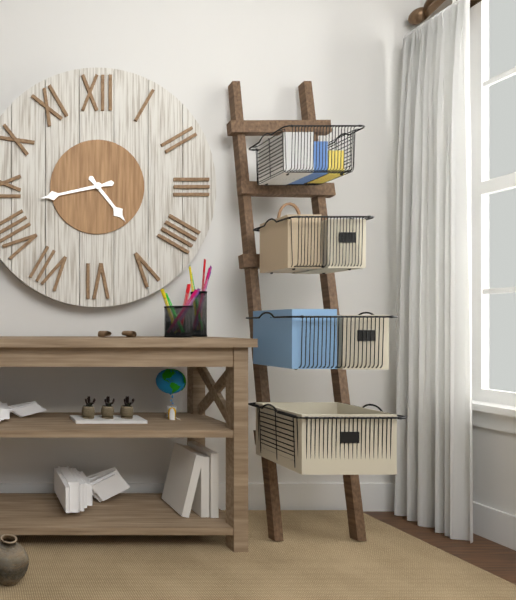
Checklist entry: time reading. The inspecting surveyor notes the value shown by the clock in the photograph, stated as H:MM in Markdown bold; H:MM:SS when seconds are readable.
**4:43**
